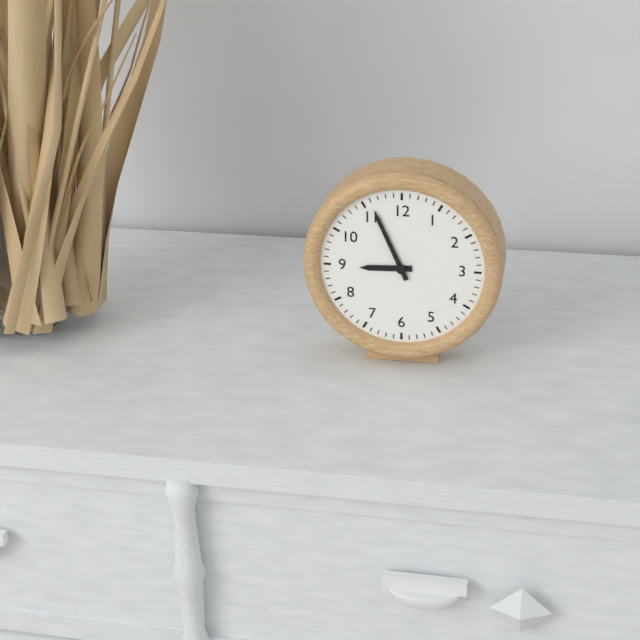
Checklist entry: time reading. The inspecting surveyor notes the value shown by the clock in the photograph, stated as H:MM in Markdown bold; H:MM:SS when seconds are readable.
**8:56**
